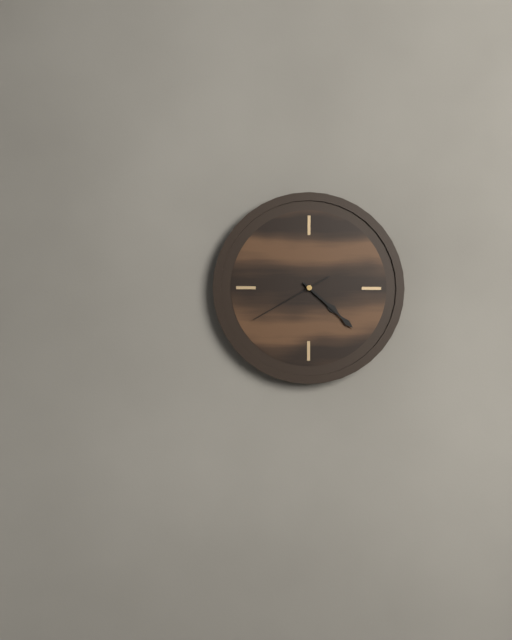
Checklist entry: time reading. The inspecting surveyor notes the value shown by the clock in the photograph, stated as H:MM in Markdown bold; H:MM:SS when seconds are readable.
**4:22:40**
